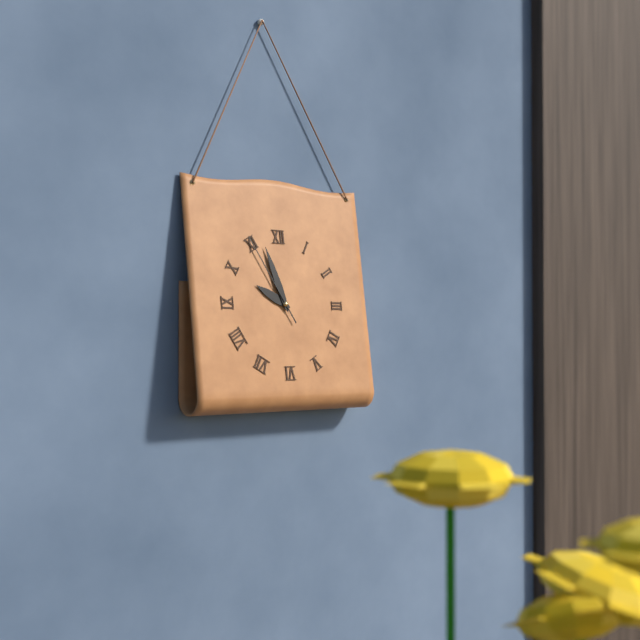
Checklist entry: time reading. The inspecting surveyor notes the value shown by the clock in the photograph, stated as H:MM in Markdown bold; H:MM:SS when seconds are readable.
**9:57:55**
